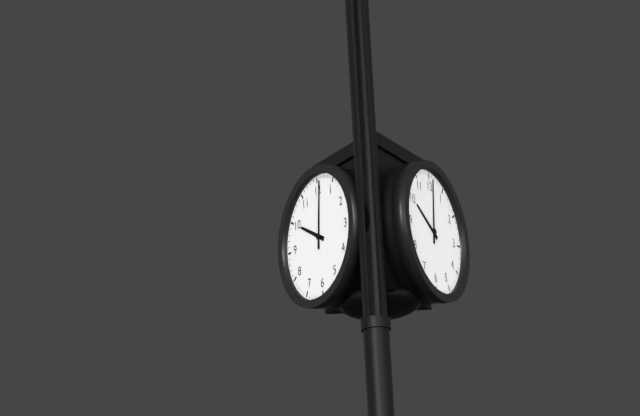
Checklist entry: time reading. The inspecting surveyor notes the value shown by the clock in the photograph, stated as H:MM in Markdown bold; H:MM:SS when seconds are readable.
**10:01**
